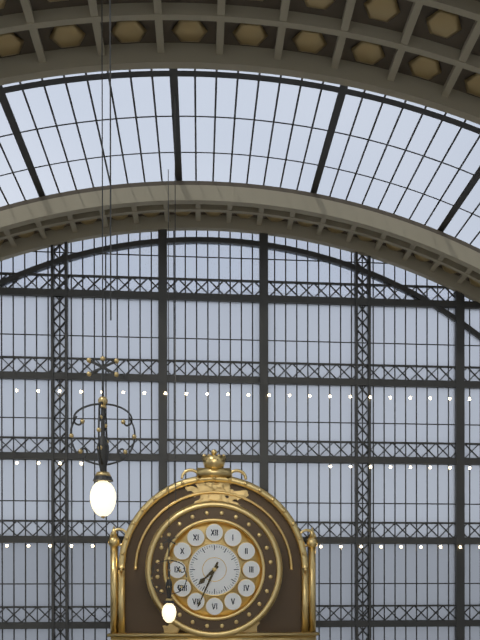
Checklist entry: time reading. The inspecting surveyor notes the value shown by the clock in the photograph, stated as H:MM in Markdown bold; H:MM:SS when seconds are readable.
**7:34**
